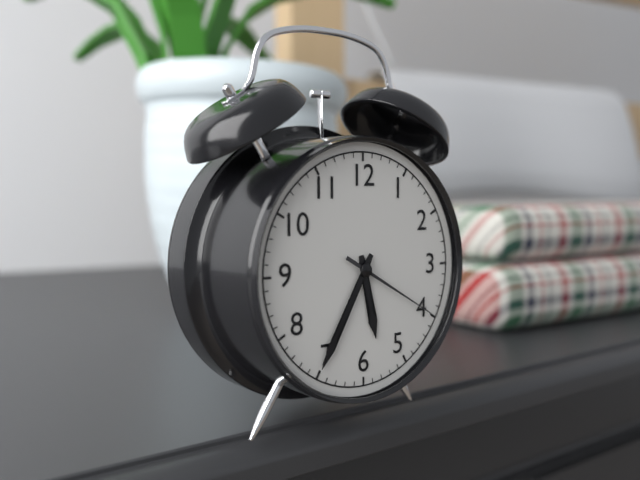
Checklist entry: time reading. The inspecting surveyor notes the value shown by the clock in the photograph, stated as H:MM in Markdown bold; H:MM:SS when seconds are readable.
**5:35:20**
